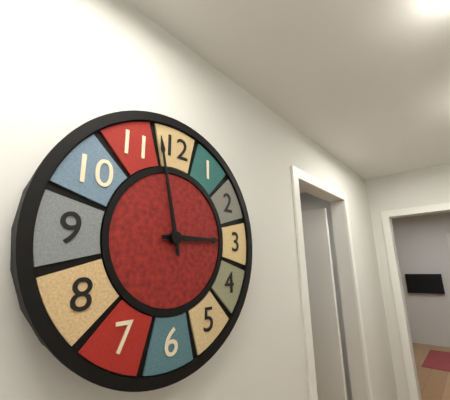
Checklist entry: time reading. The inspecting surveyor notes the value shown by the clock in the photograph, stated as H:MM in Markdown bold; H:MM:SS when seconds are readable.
**2:58**
